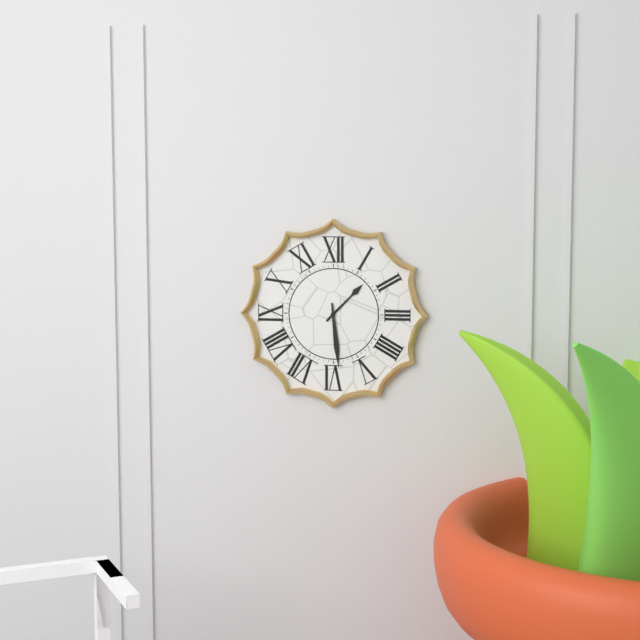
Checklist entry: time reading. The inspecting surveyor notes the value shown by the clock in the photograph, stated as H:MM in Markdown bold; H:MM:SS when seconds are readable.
**1:29**
